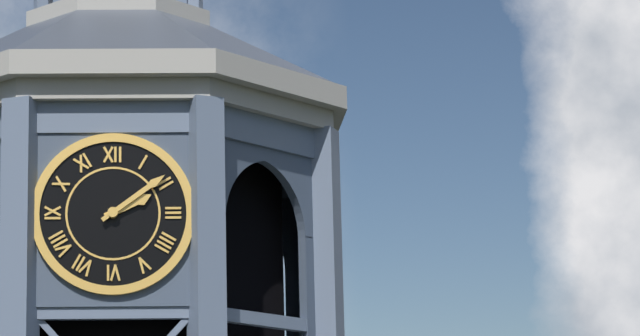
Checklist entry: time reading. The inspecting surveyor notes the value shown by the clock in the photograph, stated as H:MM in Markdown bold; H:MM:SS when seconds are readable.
**2:09**
